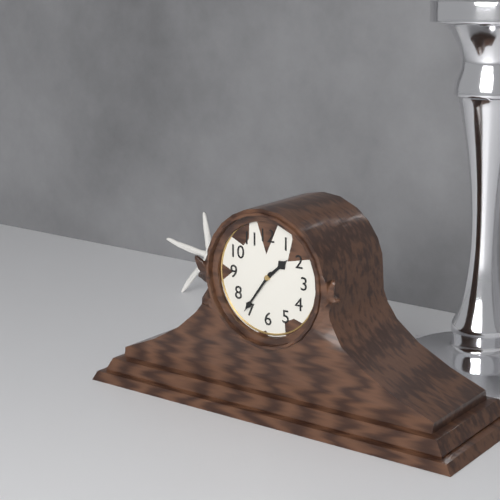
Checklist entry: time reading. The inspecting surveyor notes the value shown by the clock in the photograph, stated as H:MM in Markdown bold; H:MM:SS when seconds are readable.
**1:36**
